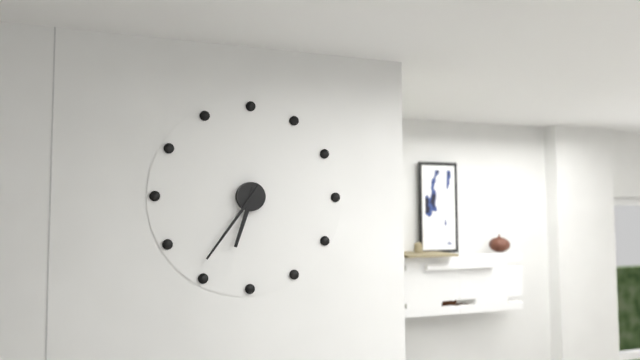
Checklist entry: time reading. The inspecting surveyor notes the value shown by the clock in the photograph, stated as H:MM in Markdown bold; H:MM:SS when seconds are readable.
**6:36**
